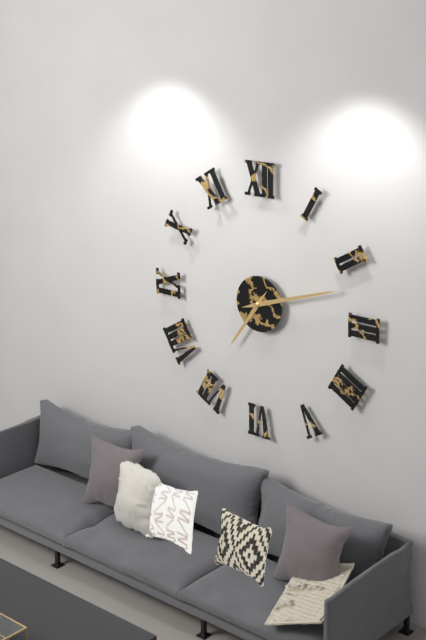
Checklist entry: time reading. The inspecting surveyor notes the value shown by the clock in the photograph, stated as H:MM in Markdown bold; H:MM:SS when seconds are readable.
**7:12**
